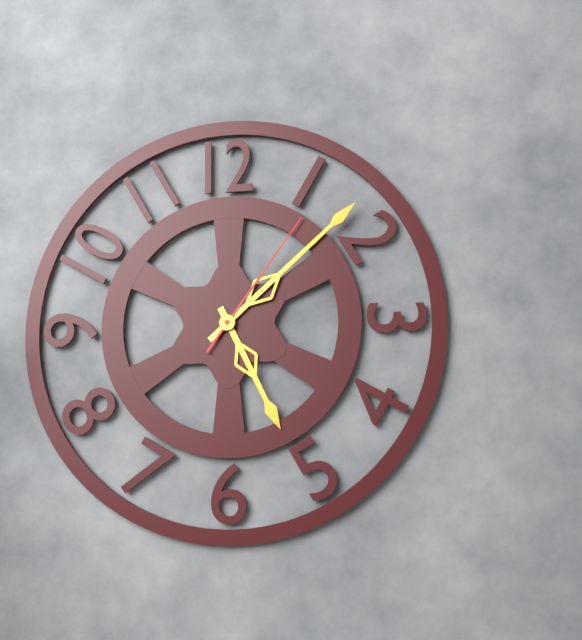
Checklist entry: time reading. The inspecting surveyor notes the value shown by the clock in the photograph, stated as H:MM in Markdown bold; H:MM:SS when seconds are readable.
**5:08:06**
